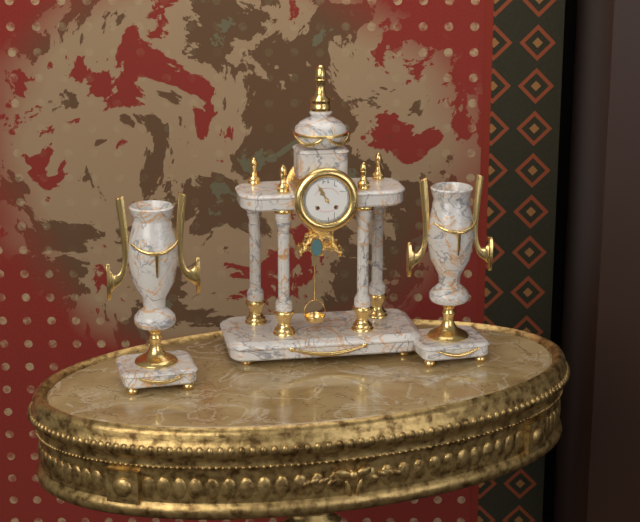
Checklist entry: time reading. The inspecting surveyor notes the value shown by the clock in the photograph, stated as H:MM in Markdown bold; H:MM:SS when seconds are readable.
**10:55**
